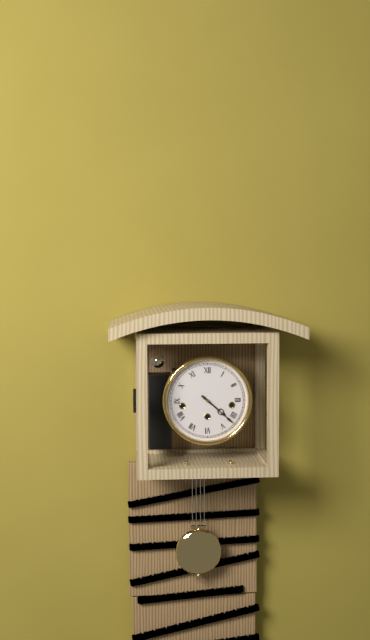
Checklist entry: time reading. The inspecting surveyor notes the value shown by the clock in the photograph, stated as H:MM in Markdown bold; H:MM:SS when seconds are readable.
**4:22**
